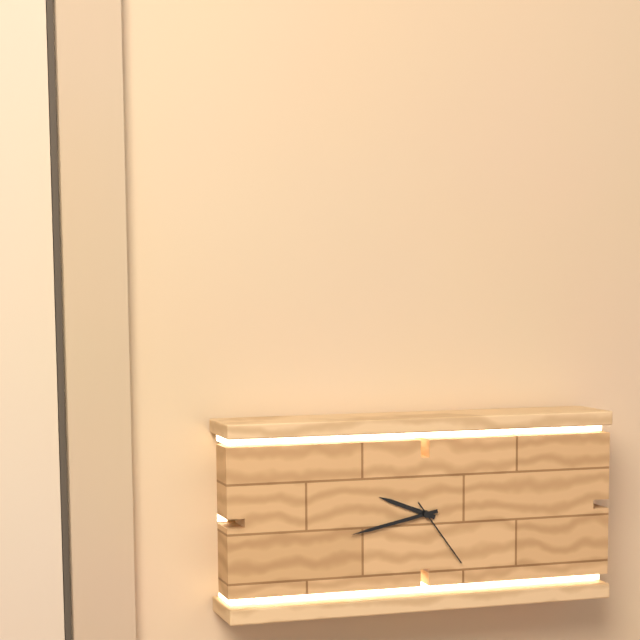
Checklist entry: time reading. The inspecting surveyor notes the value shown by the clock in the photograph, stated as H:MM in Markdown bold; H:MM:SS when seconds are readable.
**9:43:24**
